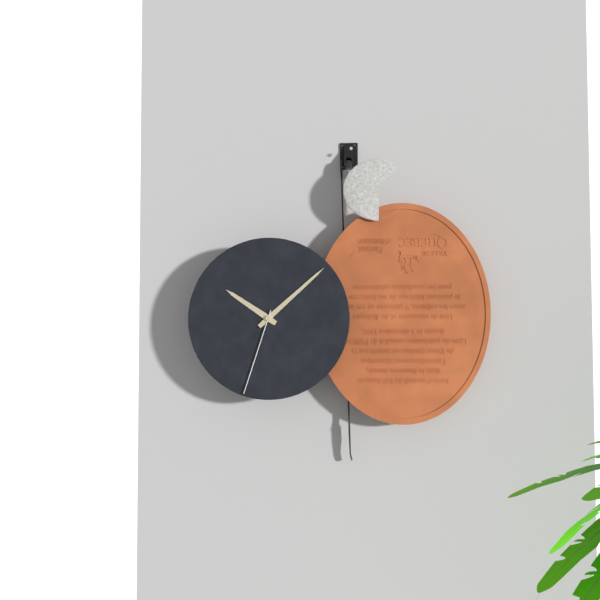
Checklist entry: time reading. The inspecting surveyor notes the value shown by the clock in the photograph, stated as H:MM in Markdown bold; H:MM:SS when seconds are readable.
**10:08:33**
